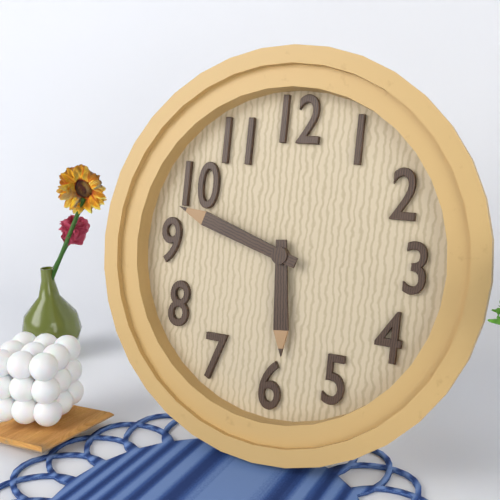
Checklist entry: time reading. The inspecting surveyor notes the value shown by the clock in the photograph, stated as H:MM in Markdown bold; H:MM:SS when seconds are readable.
**5:48**
